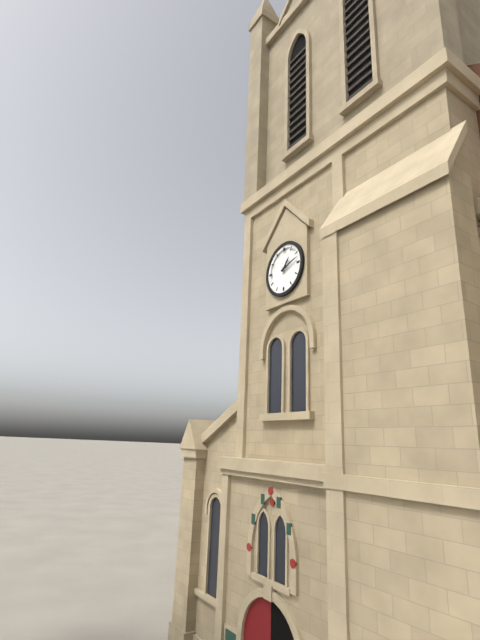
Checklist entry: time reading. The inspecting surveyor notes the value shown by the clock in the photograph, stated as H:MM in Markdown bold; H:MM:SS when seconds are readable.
**1:12**
